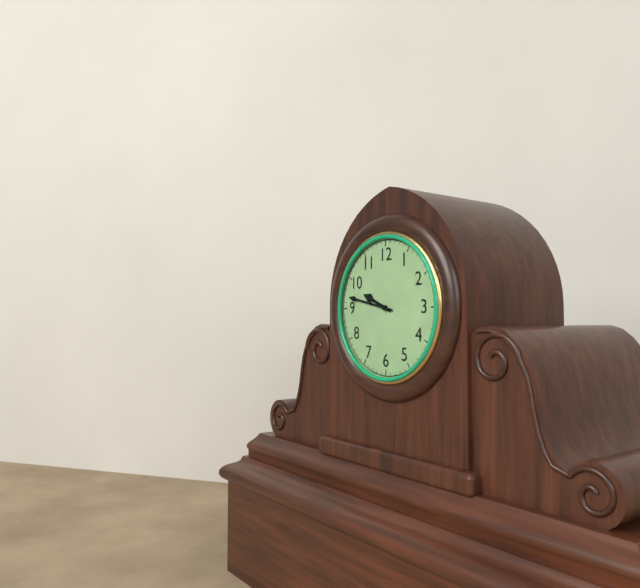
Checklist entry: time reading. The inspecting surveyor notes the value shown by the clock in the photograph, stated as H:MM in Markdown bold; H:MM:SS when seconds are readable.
**9:47**
